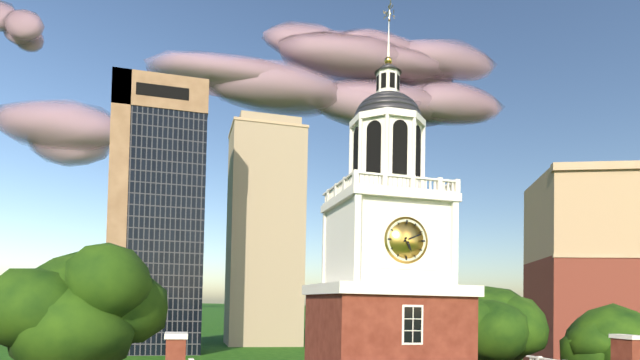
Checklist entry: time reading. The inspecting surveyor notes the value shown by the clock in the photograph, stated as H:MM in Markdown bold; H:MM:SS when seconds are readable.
**5:11**
